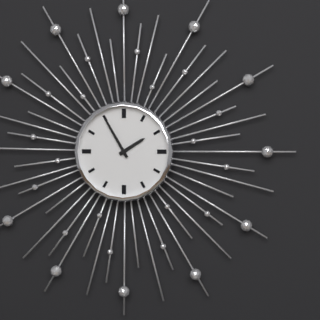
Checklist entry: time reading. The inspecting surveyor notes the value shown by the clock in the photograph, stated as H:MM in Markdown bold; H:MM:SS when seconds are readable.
**1:55**
